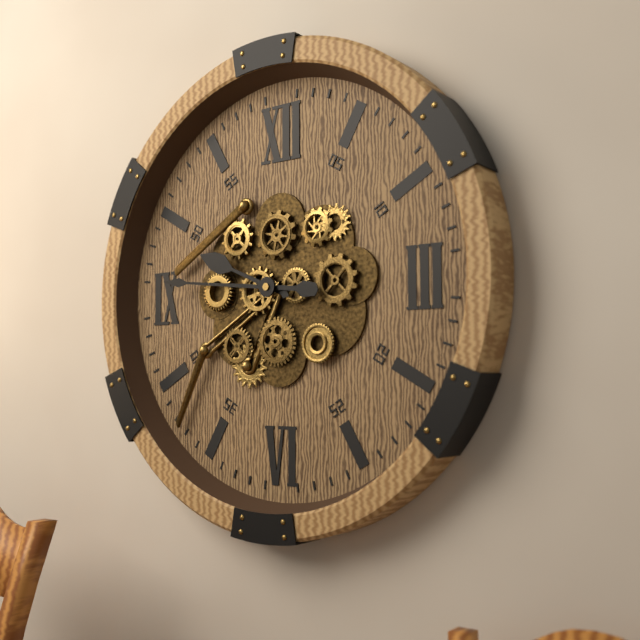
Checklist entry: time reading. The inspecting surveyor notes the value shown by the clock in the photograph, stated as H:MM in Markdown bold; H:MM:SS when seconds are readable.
**9:46**
